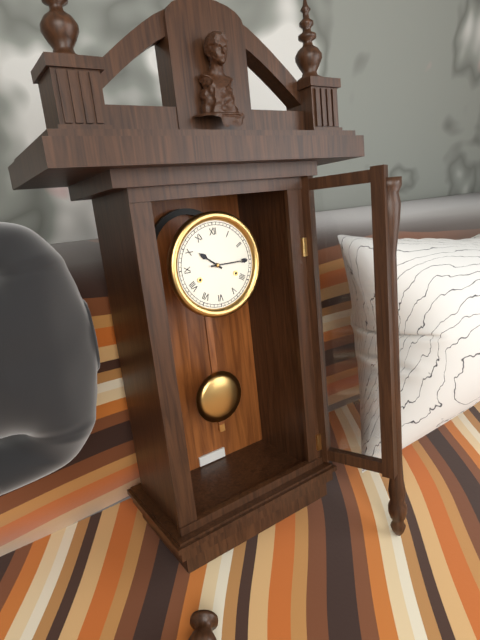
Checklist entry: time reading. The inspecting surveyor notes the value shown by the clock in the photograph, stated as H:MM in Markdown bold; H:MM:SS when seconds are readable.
**10:15**
